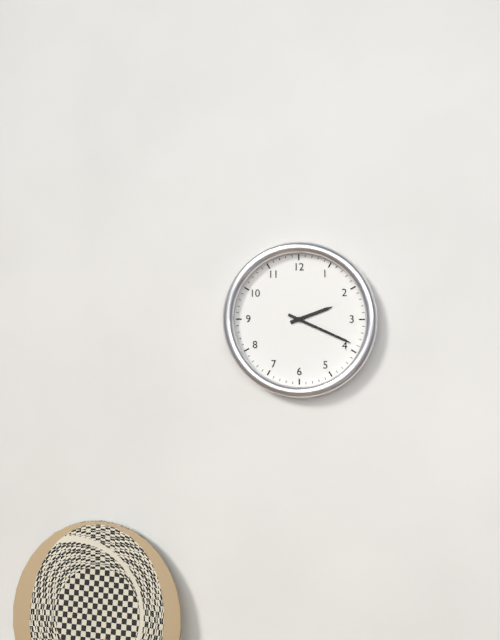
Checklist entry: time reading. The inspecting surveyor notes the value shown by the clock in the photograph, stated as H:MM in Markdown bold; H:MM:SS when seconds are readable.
**2:19**
